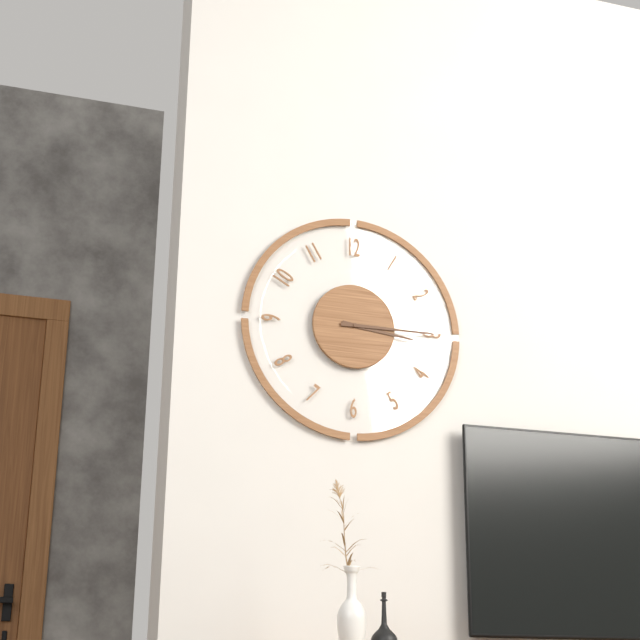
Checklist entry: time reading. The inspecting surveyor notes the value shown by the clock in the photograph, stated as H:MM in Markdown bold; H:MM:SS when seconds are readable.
**3:15**
